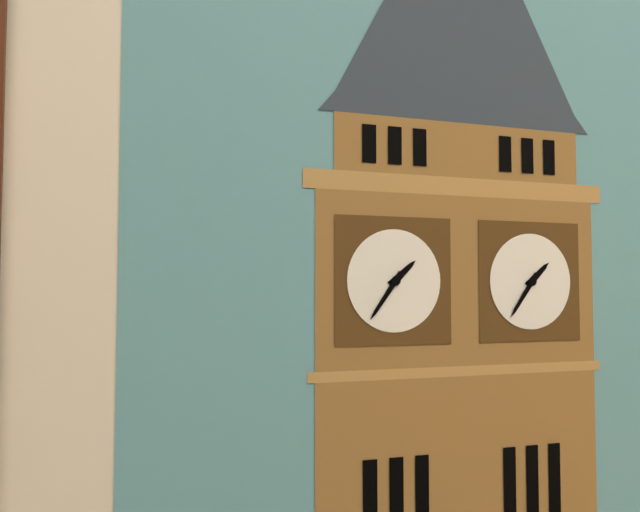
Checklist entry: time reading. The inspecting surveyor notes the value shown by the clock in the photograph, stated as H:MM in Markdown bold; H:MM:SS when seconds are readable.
**1:36**
